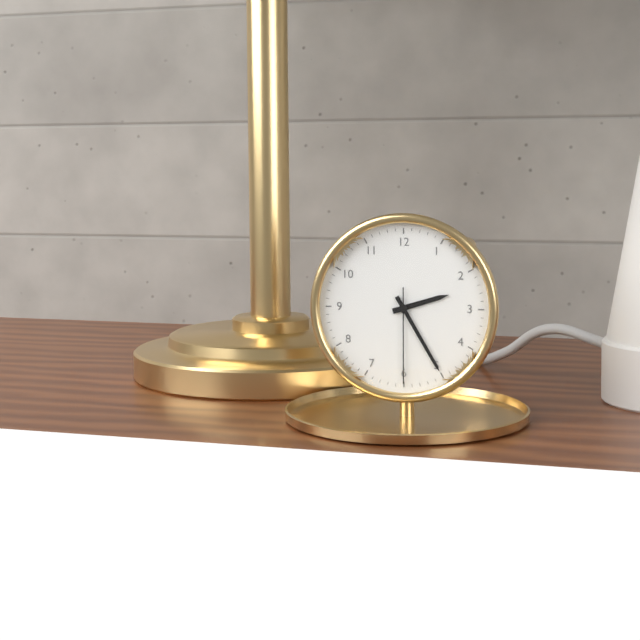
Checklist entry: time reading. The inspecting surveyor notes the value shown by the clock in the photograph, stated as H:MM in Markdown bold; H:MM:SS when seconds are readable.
**2:25:30**
